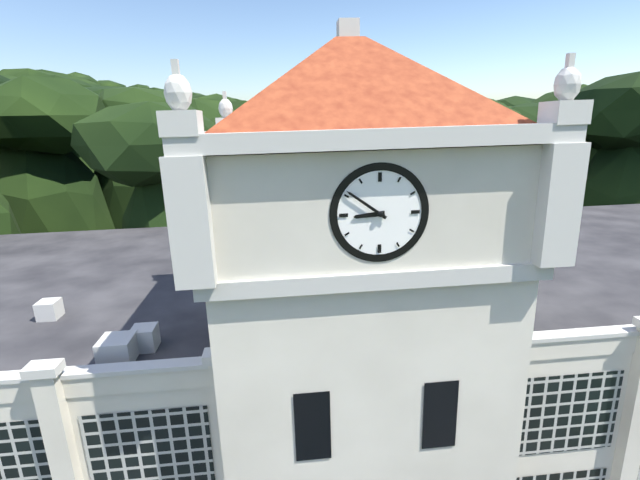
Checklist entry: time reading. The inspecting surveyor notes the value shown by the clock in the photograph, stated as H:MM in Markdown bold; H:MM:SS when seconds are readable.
**8:51**
